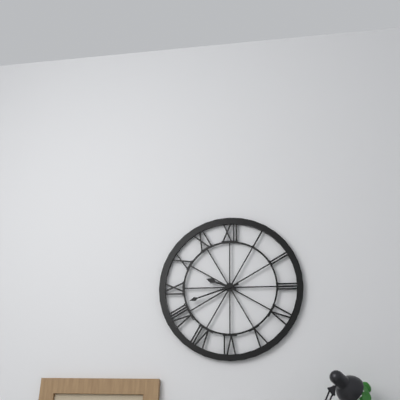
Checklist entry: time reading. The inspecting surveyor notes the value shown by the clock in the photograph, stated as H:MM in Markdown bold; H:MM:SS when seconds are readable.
**9:42**
